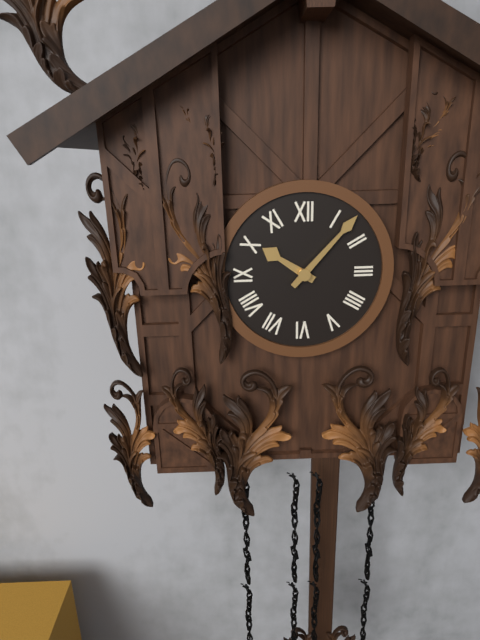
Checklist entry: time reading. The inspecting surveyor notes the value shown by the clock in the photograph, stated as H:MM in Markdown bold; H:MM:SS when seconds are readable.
**10:07**
